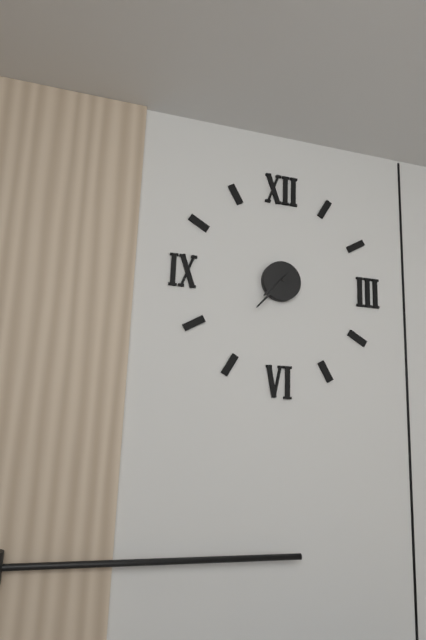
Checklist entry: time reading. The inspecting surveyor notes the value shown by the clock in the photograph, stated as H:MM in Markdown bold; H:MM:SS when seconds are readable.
**7:37**
